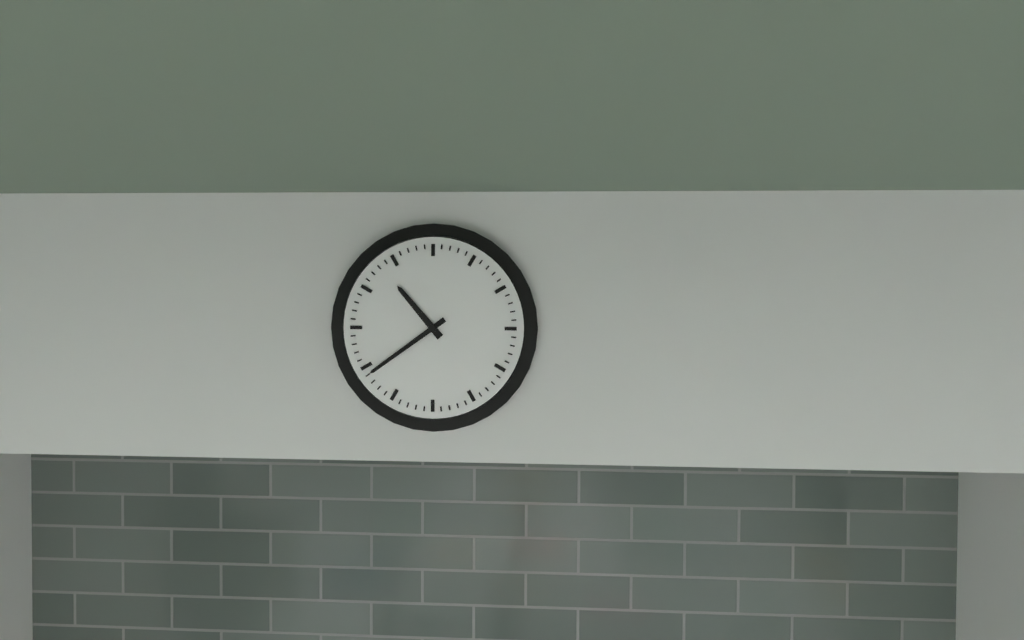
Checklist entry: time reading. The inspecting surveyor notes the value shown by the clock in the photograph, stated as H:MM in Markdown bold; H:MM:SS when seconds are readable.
**10:39**
